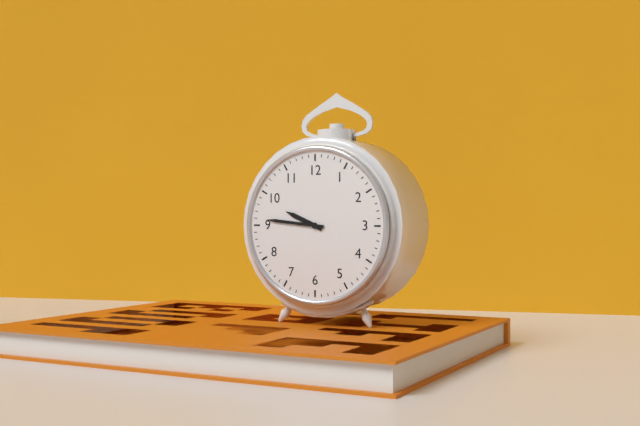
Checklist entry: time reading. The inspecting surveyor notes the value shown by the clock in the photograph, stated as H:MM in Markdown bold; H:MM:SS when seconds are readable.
**9:46**
